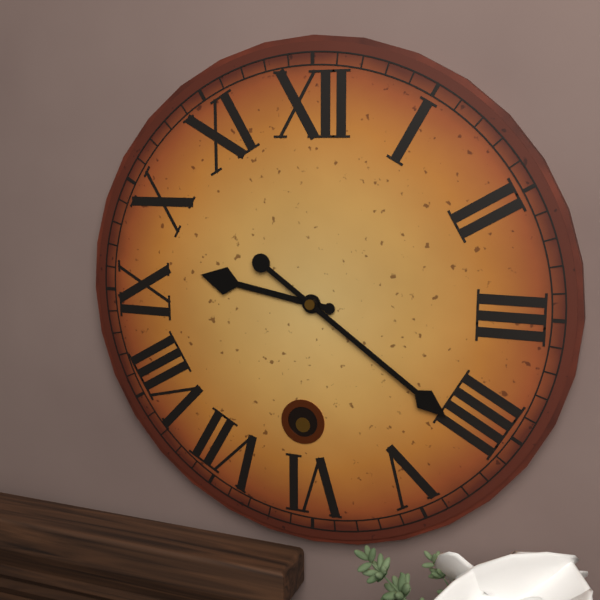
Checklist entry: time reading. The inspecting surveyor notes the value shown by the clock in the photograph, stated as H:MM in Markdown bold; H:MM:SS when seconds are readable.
**9:21**
